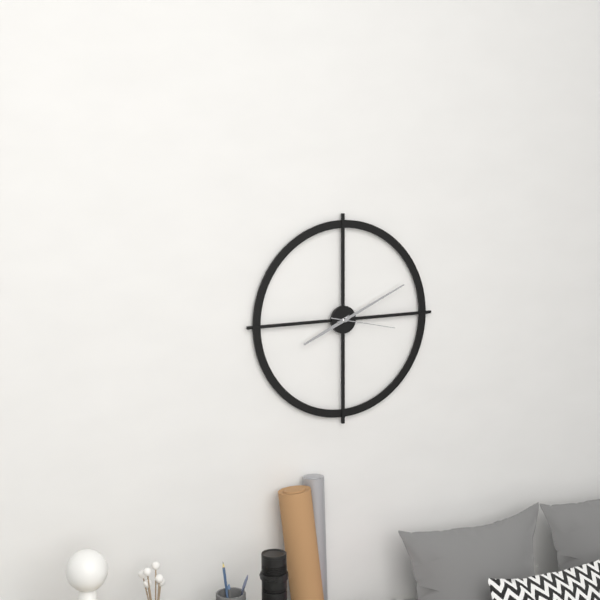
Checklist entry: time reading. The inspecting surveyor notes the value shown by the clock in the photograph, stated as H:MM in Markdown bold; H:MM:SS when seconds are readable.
**8:11:17**
